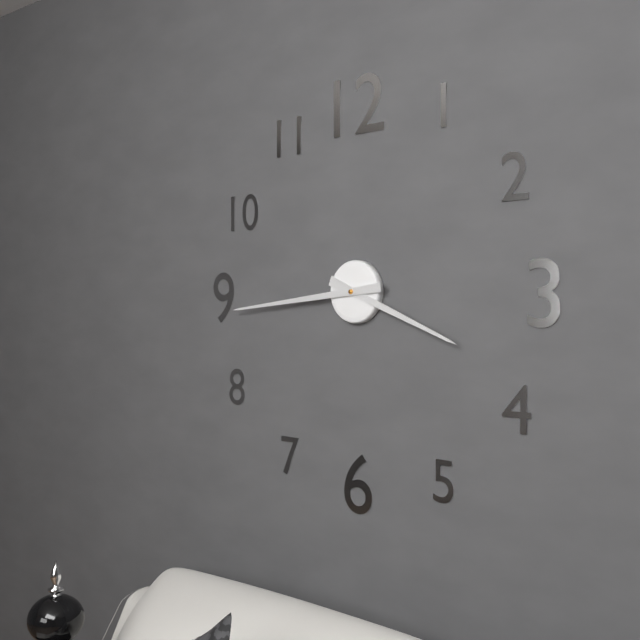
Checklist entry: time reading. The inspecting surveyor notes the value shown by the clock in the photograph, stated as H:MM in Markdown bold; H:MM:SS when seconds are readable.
**3:44**
